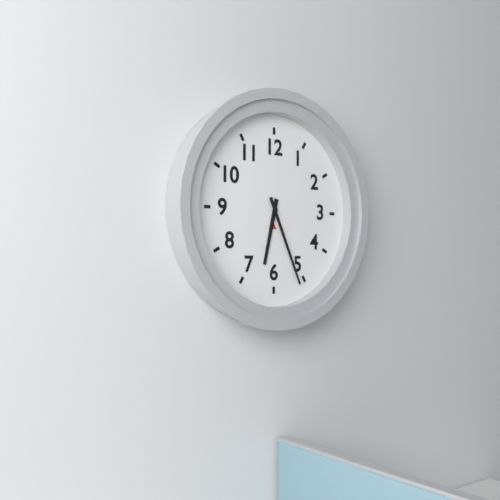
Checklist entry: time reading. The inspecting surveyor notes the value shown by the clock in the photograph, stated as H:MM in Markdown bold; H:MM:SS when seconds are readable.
**6:26**
